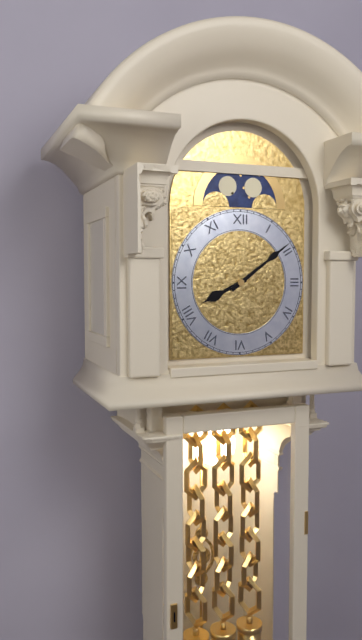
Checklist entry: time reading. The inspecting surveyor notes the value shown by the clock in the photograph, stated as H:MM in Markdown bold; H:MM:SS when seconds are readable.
**8:09**
